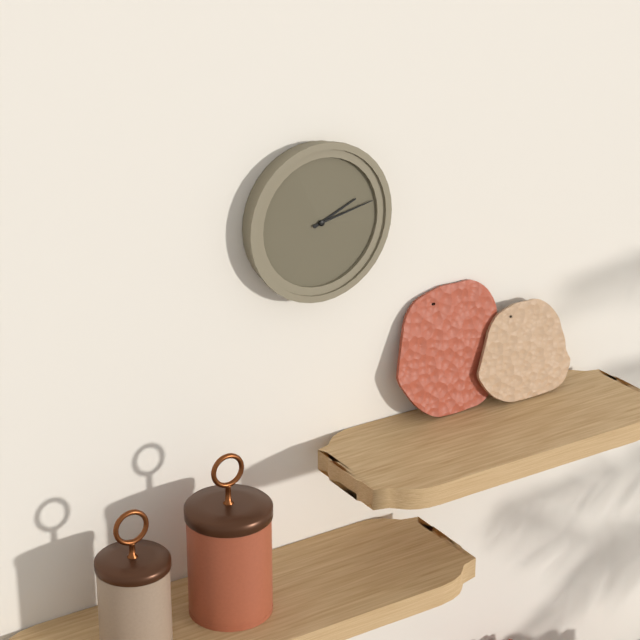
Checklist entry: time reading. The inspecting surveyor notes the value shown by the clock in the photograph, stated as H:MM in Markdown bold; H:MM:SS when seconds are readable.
**2:13**
